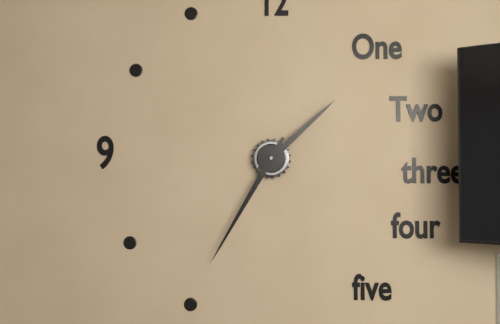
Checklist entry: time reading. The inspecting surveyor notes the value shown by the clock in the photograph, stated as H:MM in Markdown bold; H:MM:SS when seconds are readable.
**1:35**
